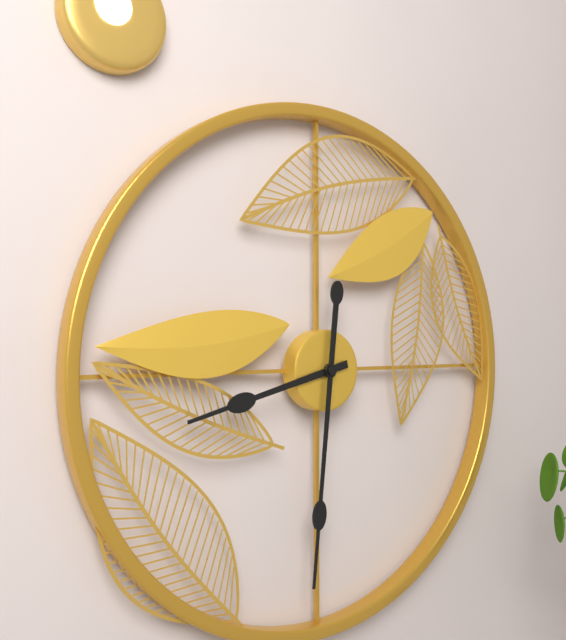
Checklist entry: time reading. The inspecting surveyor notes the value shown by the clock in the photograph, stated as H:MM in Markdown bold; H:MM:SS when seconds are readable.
**8:31**
